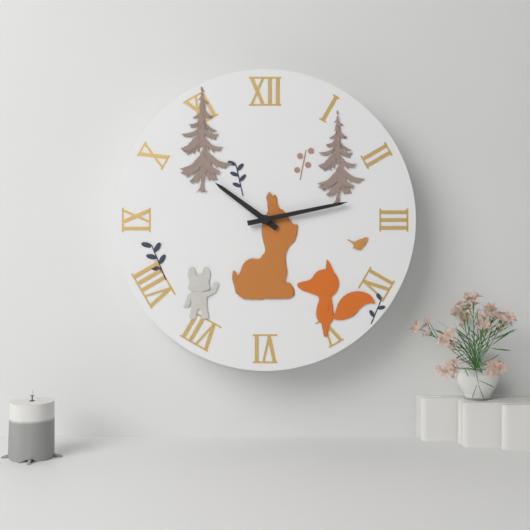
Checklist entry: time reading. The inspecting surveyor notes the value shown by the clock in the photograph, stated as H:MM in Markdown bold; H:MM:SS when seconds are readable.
**10:13**
